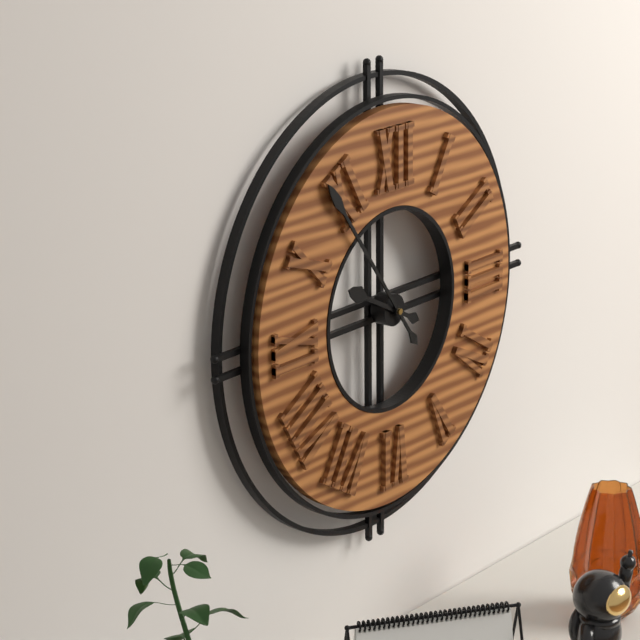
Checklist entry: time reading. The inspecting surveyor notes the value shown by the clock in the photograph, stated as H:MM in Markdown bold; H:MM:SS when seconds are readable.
**9:54**
